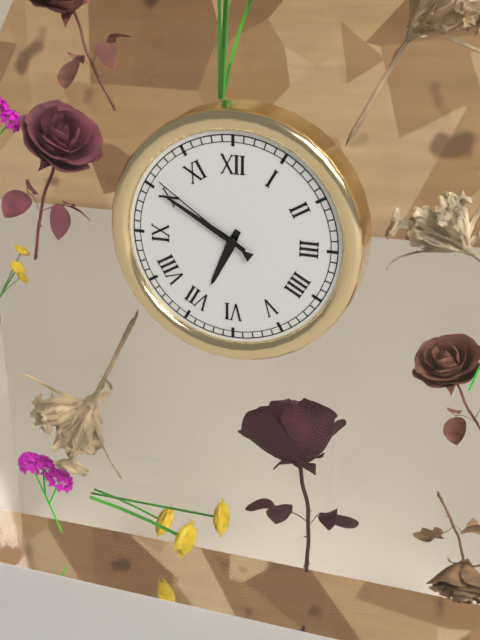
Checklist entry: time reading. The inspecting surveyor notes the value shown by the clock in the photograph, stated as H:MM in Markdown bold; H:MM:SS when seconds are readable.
**6:50:51**
